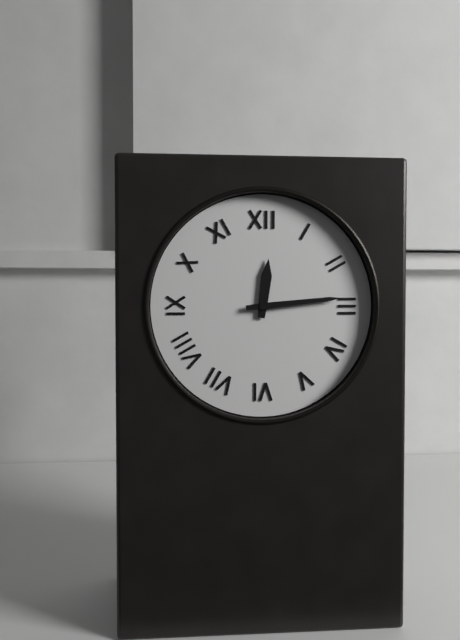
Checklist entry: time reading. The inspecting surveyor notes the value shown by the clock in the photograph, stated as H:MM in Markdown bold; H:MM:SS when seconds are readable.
**12:14**
